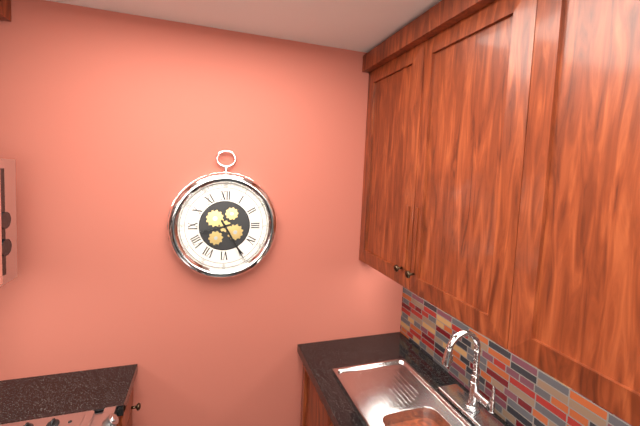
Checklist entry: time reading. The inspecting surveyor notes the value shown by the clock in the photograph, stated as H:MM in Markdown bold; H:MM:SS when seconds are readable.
**8:25**
